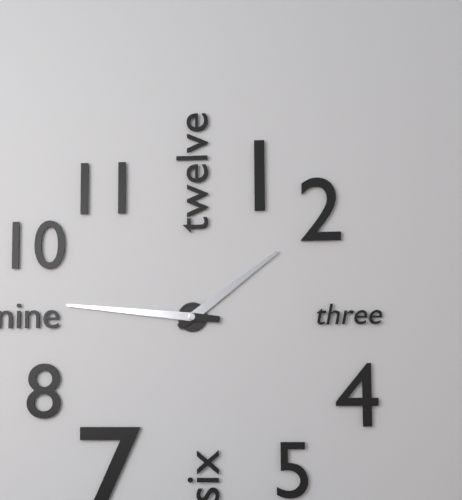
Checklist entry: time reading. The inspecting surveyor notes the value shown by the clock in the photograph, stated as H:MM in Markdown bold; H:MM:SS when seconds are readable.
**1:46**
